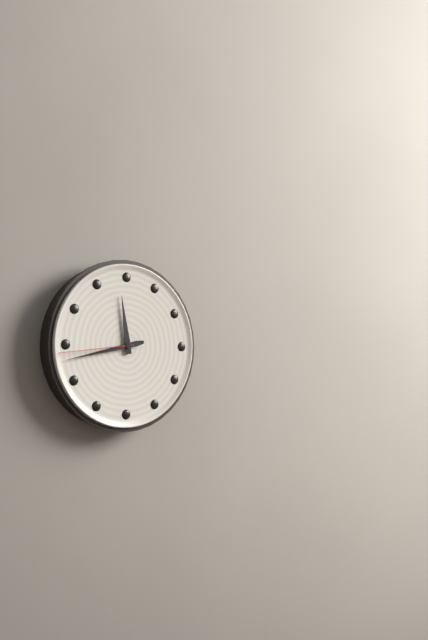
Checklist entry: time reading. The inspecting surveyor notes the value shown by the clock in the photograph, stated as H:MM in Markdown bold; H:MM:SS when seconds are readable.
**11:43:44**
